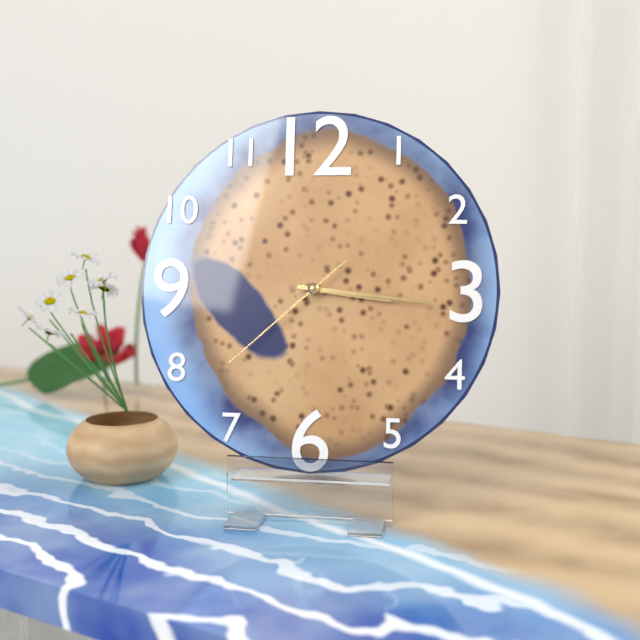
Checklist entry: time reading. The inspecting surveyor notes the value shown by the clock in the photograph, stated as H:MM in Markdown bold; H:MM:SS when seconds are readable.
**3:16:38**
